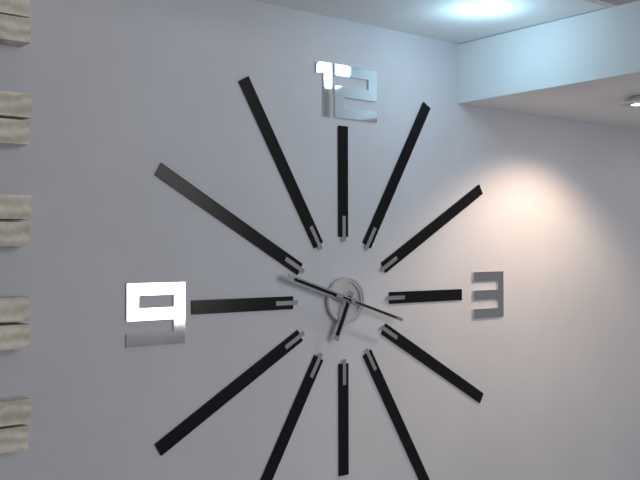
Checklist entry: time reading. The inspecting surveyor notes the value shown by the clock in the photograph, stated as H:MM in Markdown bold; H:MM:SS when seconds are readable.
**6:48:18**
